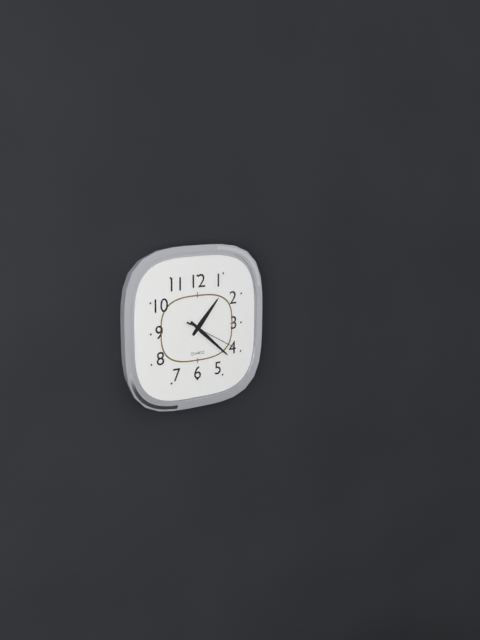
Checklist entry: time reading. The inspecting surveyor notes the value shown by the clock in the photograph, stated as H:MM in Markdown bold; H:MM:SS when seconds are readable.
**1:22:20**
